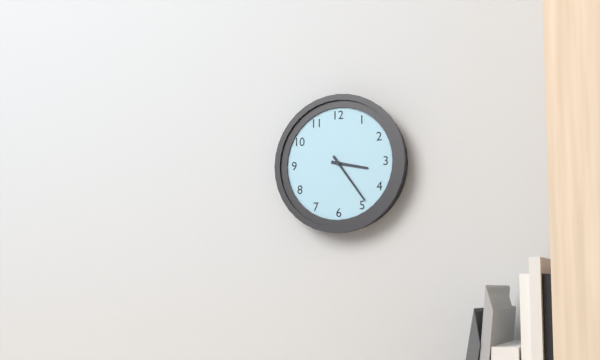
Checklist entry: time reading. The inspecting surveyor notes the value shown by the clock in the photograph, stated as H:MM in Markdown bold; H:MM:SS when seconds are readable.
**3:24**
